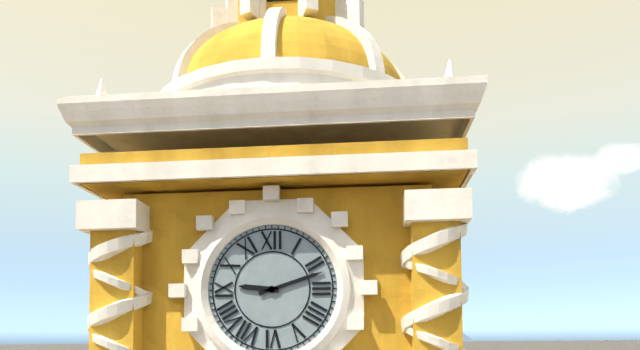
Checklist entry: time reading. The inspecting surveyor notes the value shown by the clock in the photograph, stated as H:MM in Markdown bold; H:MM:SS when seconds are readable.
**9:12**
